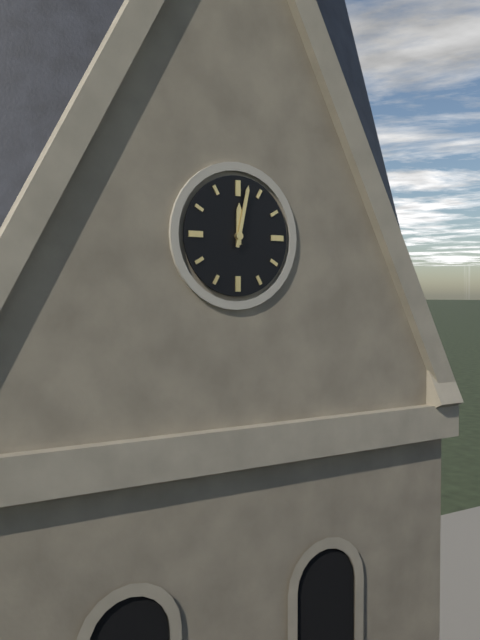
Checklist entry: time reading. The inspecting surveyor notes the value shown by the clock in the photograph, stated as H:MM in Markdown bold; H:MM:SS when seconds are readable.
**12:02**
